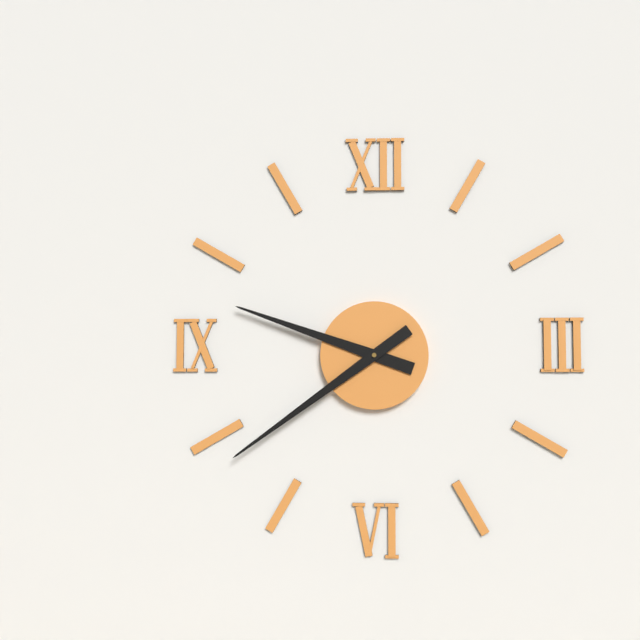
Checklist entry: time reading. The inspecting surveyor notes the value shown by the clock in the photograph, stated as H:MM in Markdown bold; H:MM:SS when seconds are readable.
**9:39**
